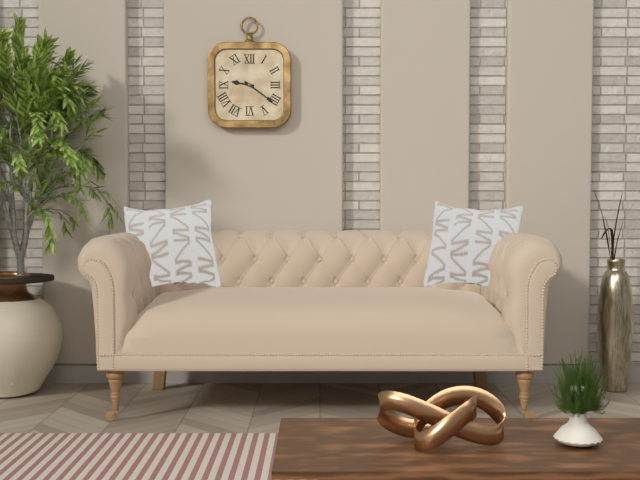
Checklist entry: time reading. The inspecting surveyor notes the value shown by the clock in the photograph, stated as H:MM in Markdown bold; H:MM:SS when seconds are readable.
**9:21**
